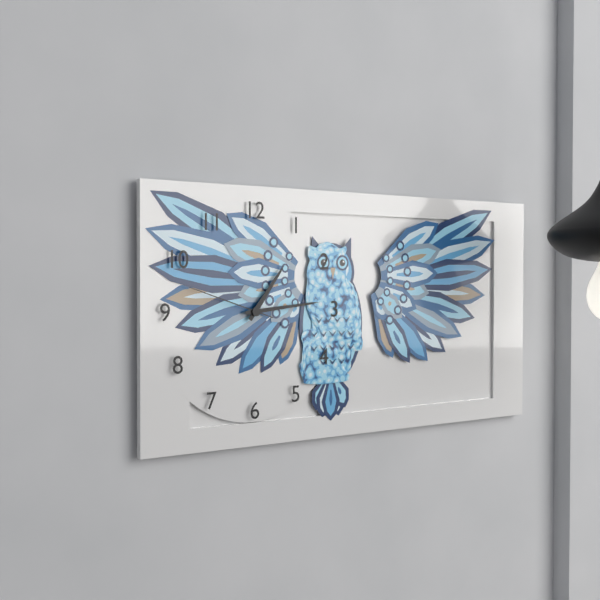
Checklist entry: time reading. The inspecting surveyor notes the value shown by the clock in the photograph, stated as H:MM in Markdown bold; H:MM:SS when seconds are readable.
**1:14:48**
